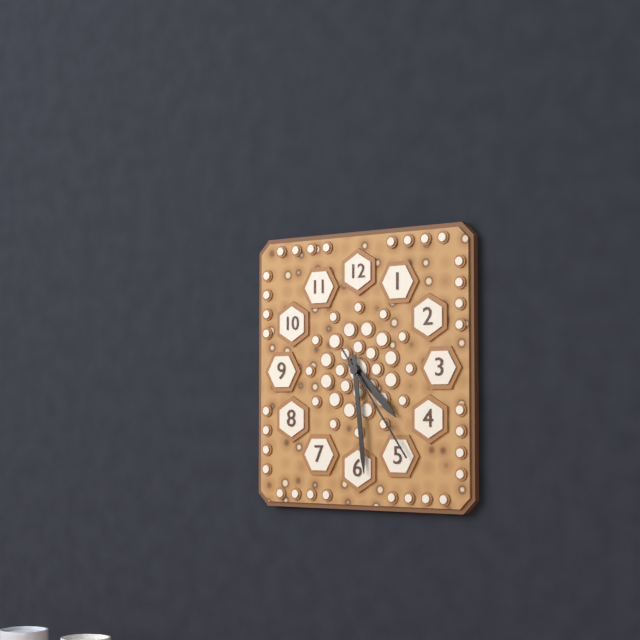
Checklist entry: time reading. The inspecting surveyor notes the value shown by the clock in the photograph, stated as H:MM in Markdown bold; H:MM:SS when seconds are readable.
**4:29:24**
